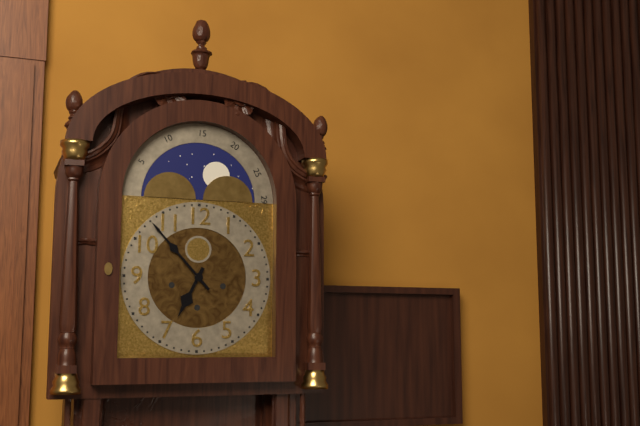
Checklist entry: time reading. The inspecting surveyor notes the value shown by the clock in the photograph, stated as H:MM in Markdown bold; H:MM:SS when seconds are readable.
**6:53**
